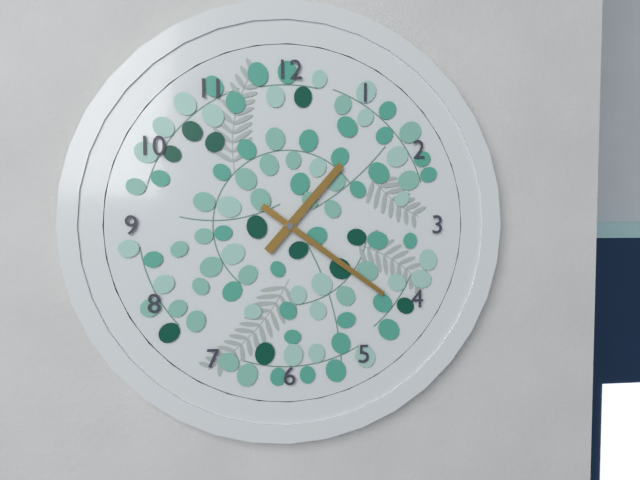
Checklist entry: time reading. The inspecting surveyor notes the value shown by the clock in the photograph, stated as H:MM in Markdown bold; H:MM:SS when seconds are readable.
**1:21**
